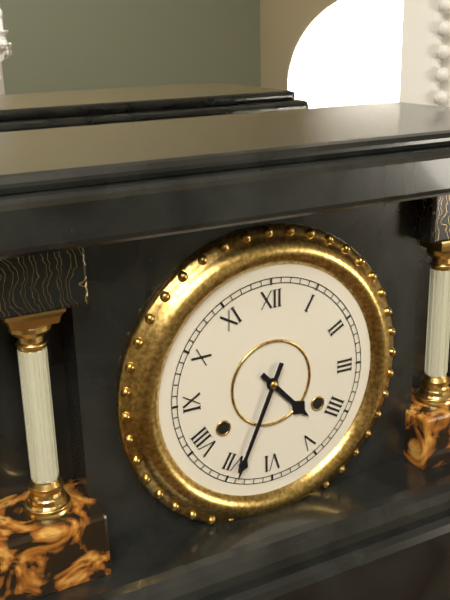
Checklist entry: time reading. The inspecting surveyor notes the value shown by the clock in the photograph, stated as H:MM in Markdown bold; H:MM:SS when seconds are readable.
**4:34**
